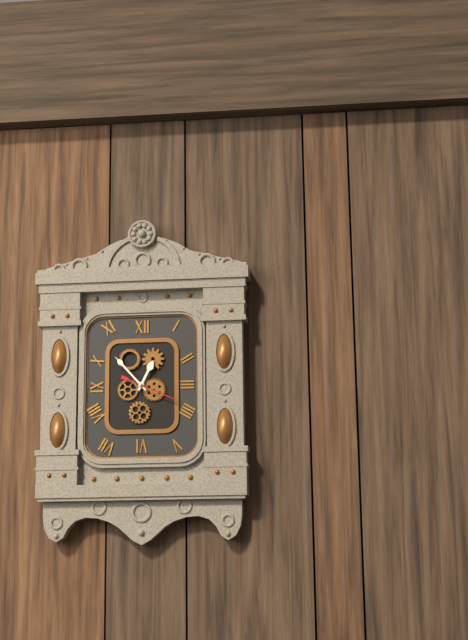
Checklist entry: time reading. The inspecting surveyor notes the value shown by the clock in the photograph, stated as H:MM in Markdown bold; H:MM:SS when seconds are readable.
**12:53**
